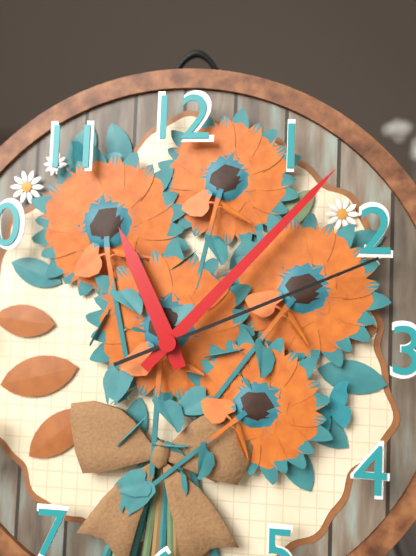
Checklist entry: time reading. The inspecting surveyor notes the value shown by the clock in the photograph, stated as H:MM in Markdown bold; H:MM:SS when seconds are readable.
**11:07:11**
